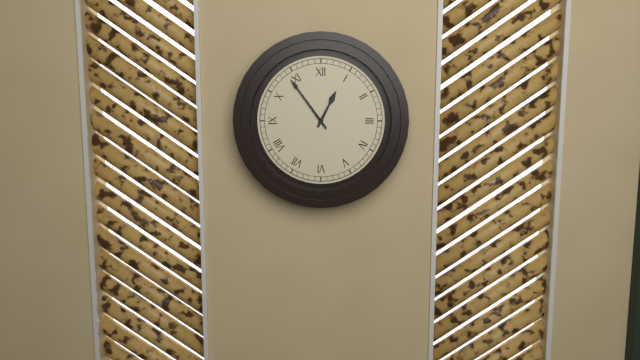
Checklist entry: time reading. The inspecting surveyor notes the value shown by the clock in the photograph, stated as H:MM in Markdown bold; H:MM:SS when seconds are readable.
**12:54**
